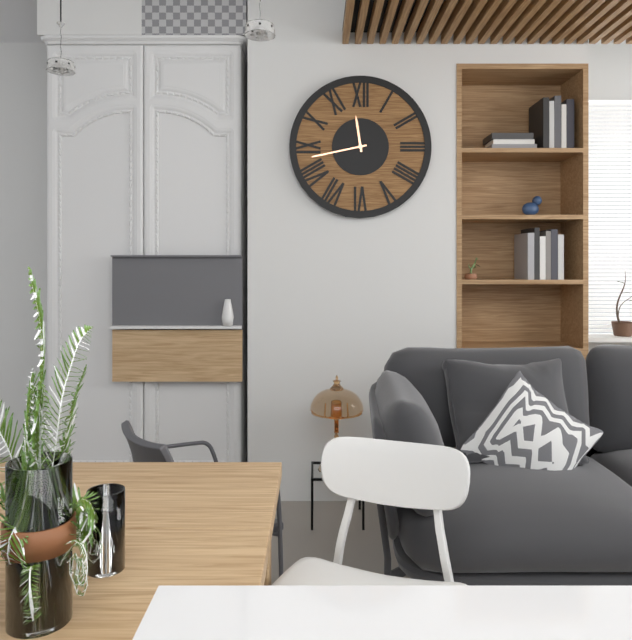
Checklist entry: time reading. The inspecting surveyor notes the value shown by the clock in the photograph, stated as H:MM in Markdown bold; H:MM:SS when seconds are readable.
**11:43**
